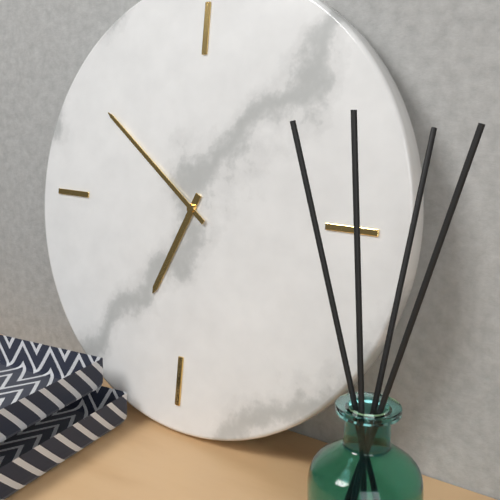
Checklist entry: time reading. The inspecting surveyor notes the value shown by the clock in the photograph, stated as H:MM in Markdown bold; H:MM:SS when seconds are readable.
**6:51**
